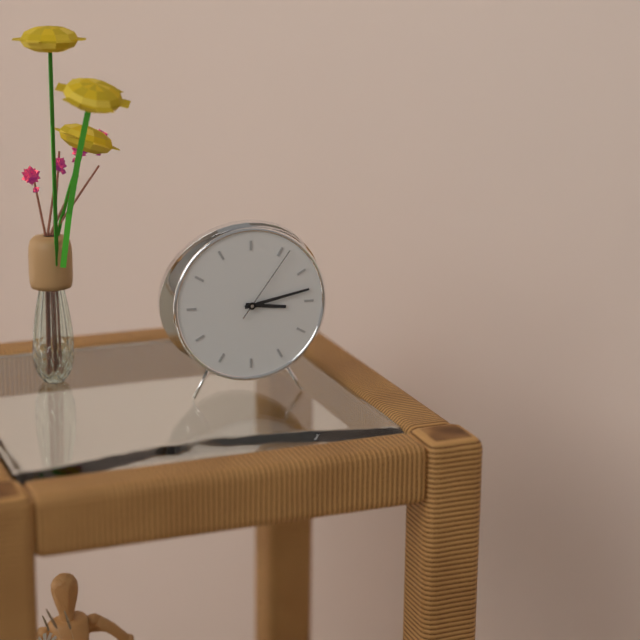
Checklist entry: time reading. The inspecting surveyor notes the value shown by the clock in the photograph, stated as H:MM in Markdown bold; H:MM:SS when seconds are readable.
**3:13:06**
